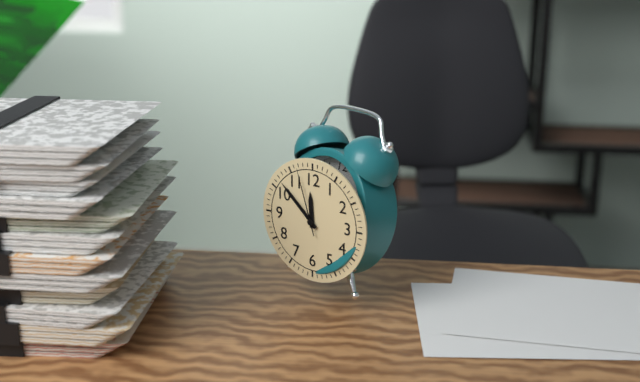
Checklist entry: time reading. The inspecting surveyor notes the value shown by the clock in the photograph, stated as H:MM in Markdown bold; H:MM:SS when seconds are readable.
**11:52:57**
